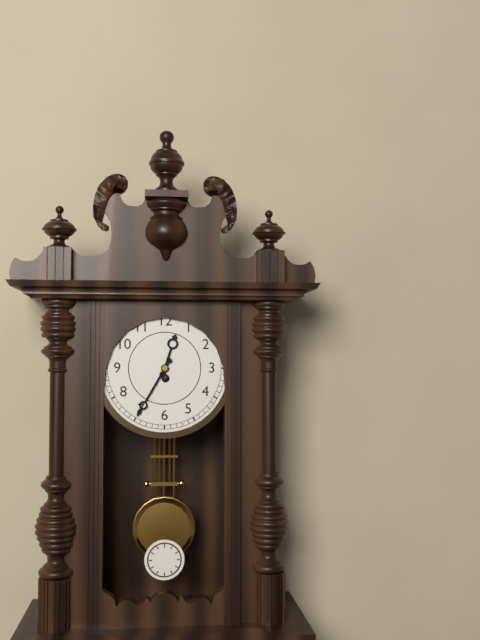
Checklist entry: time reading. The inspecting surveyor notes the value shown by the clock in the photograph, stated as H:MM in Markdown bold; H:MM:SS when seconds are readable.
**12:35**
